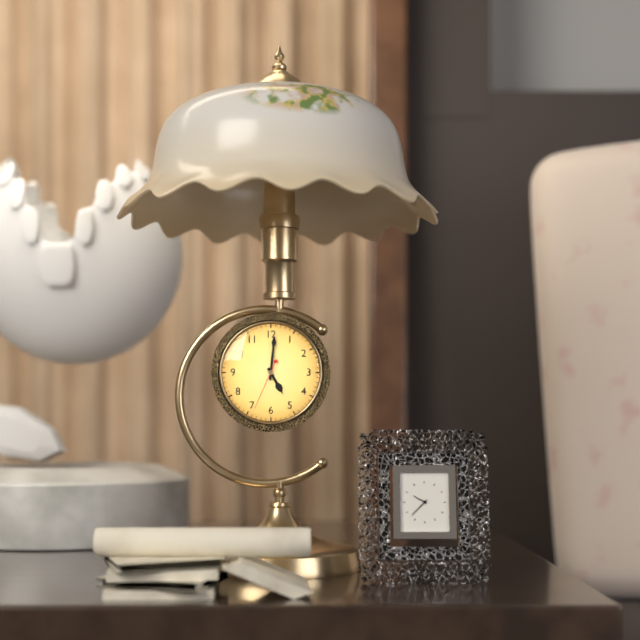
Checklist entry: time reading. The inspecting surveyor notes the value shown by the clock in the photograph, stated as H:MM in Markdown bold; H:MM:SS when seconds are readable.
**5:01**
